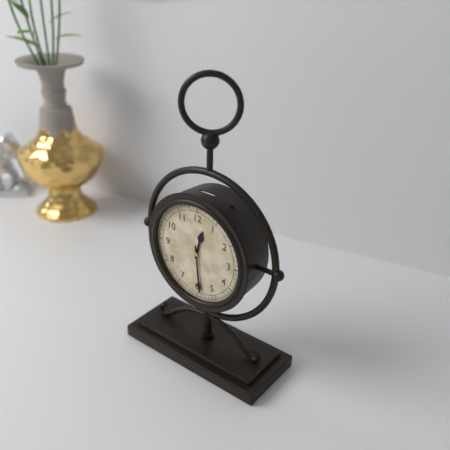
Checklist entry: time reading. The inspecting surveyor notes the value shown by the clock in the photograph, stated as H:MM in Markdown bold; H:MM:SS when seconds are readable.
**12:29**
